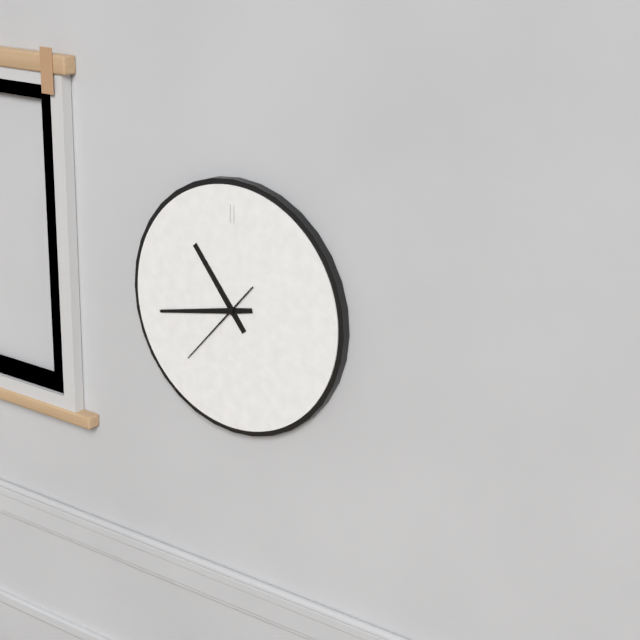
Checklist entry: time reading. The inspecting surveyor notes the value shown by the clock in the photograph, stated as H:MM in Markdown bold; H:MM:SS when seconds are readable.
**10:43:37**
